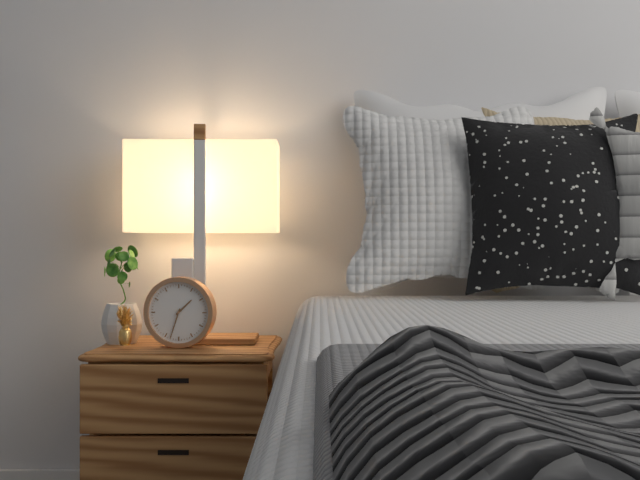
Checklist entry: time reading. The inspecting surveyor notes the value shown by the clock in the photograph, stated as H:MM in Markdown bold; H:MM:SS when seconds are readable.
**1:33**
